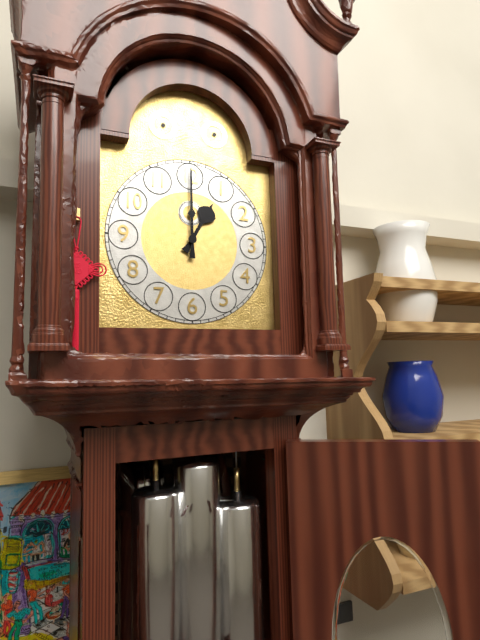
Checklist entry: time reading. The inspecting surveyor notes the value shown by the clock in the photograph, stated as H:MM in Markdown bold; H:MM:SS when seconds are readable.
**1:00**
